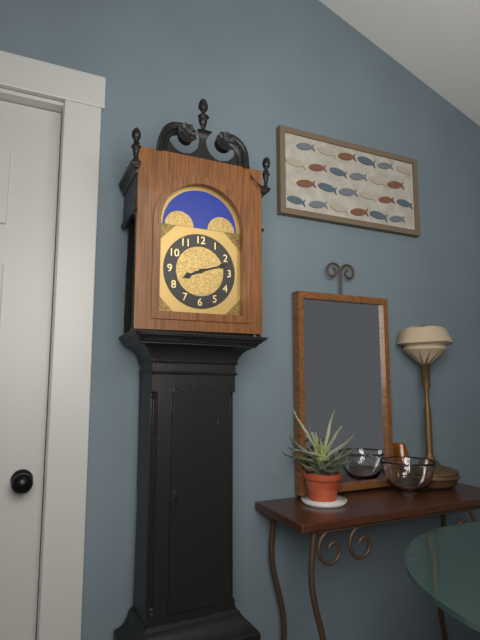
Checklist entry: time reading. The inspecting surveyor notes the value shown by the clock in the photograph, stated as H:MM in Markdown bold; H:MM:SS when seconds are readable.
**8:12**
